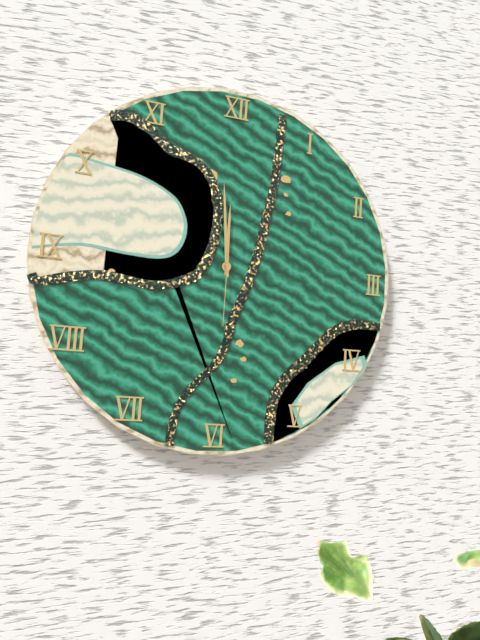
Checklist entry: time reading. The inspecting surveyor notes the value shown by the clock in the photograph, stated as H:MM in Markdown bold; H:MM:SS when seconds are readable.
**11:59:30**
